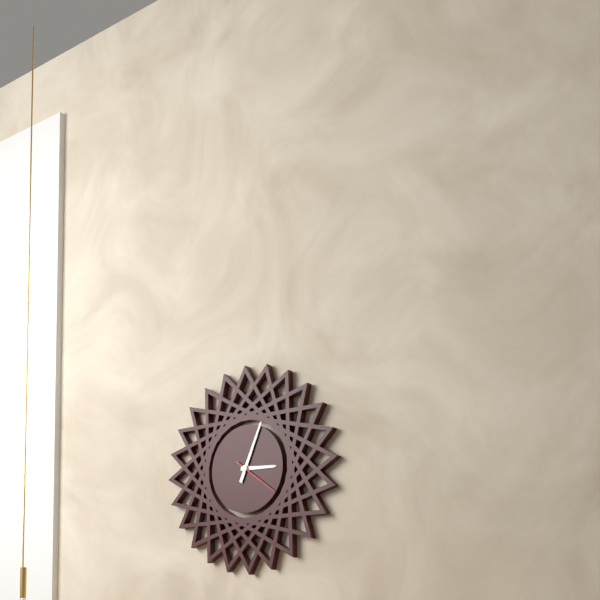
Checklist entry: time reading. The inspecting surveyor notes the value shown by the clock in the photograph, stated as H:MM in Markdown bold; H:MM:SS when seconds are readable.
**3:04**
